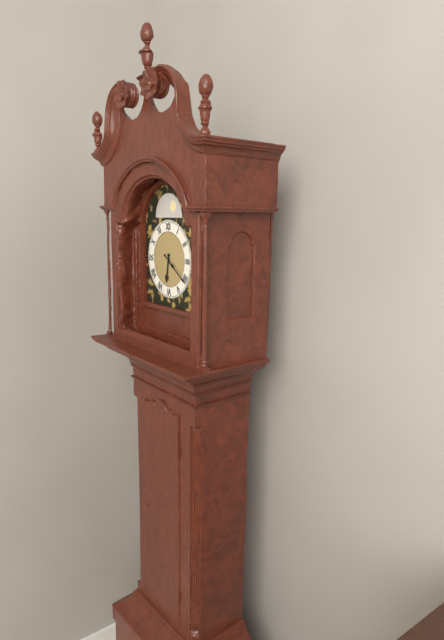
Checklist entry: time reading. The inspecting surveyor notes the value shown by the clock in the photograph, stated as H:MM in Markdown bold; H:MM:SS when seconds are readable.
**6:21**
